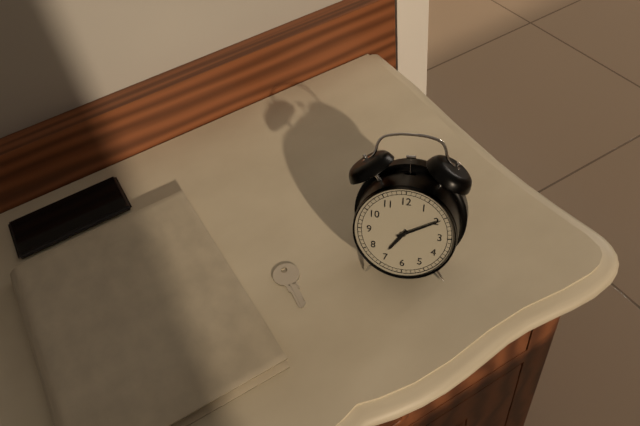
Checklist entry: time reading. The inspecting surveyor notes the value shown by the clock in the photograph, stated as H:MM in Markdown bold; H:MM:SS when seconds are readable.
**7:10**
